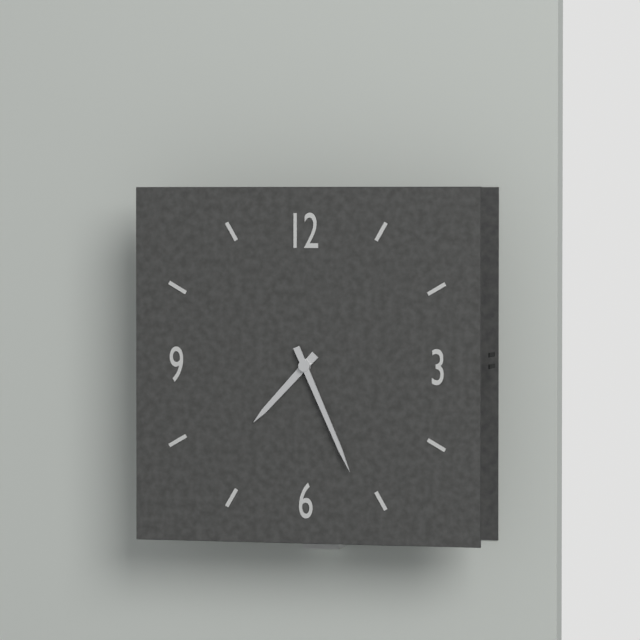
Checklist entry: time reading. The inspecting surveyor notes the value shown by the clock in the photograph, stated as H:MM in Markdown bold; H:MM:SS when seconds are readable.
**7:26**
